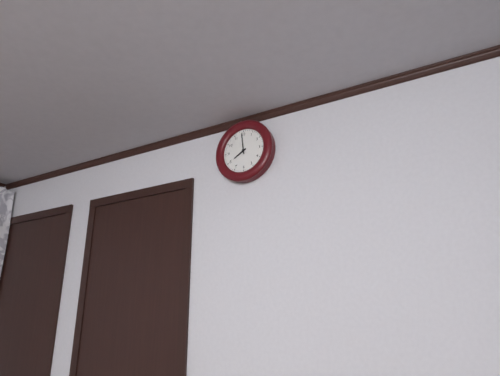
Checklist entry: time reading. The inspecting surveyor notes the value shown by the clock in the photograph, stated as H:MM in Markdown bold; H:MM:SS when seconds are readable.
**7:59**
